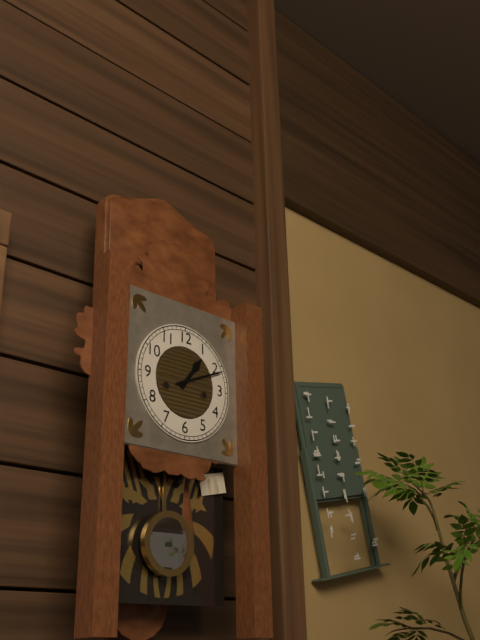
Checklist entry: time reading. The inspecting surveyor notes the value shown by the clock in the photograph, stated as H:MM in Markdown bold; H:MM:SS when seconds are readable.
**1:11**
